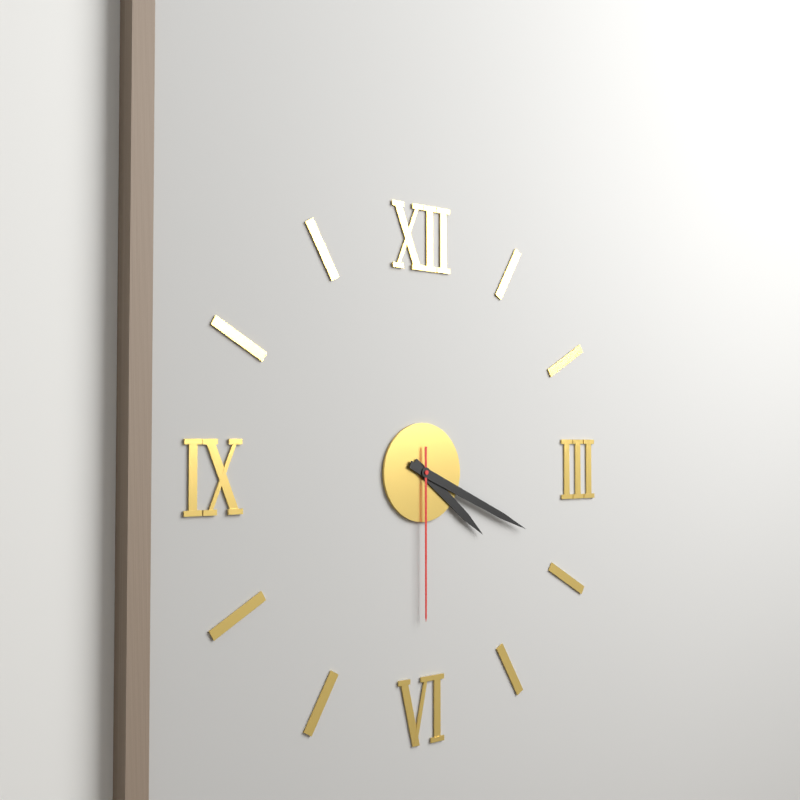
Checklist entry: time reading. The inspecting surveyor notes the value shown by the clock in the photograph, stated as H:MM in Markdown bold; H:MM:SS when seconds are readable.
**4:19:30**
